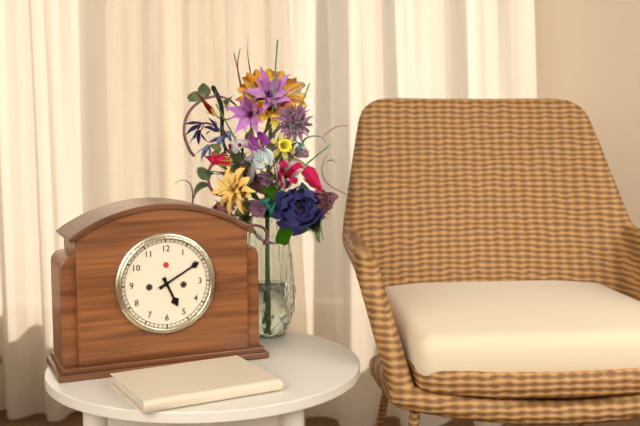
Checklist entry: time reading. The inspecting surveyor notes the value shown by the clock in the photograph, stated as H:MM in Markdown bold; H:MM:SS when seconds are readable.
**5:10**
